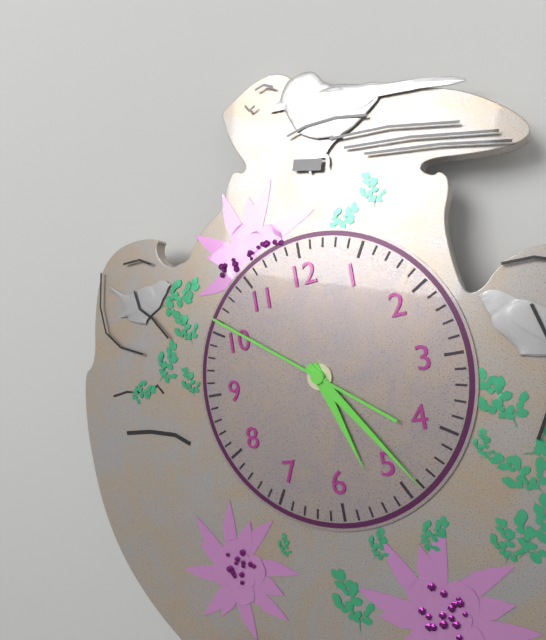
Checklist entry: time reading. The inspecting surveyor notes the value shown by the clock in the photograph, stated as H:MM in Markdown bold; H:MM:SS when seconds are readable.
**5:24:51**
